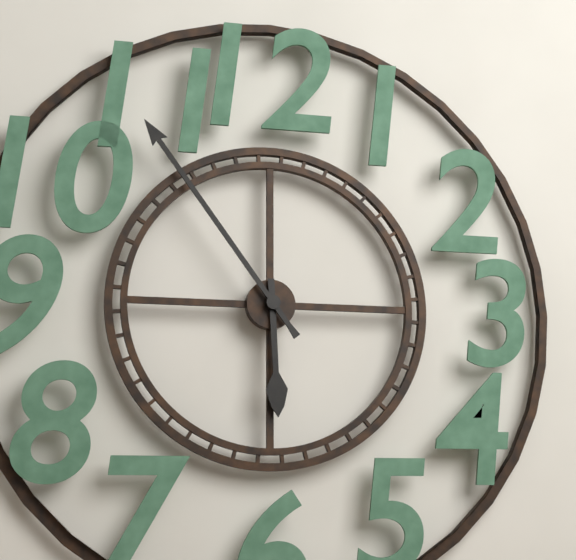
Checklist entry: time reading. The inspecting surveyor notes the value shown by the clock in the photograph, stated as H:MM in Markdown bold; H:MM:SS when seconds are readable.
**5:54**
